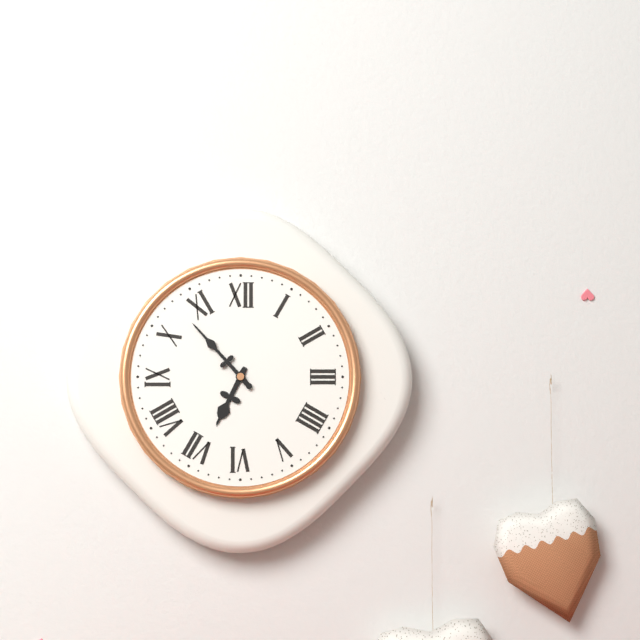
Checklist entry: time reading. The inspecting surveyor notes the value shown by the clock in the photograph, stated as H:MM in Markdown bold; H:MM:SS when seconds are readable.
**6:53**
